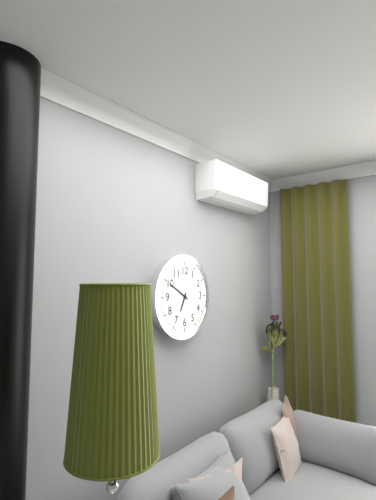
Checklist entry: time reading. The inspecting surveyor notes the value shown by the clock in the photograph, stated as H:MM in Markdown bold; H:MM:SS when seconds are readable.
**6:50**
